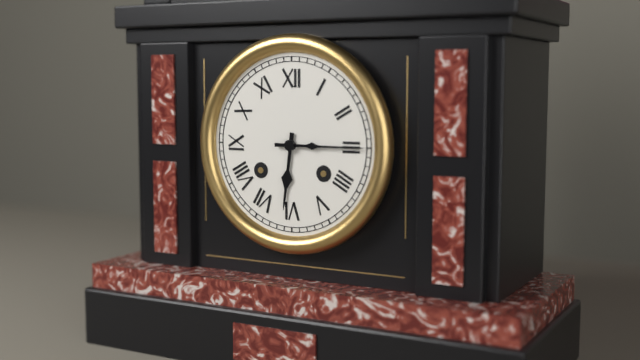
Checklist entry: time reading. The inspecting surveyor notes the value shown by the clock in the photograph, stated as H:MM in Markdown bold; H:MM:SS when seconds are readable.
**6:15**
